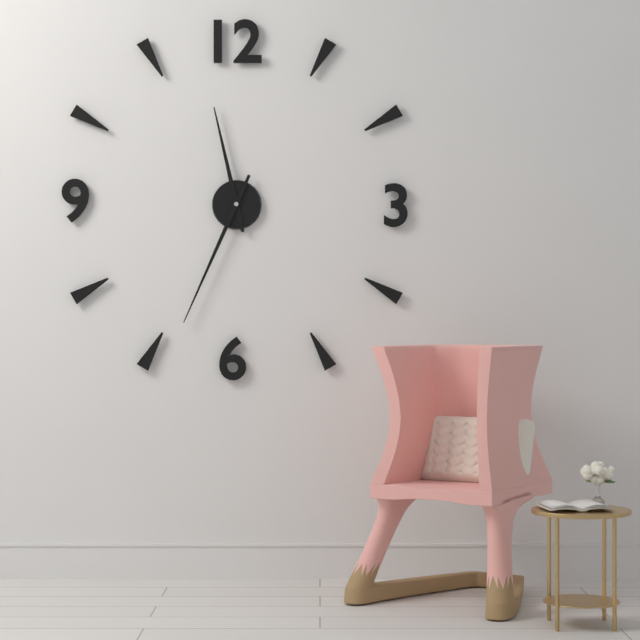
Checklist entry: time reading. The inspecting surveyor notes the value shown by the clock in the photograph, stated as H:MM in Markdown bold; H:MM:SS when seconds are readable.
**11:34**
